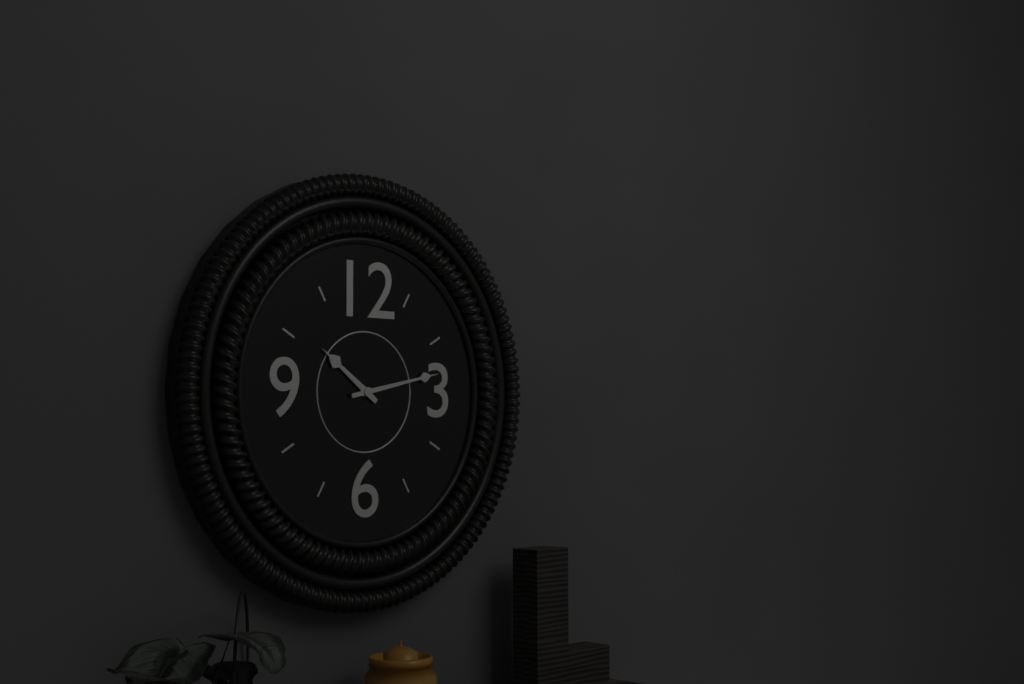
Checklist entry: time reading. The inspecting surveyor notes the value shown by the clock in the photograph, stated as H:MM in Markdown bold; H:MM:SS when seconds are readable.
**10:13**
